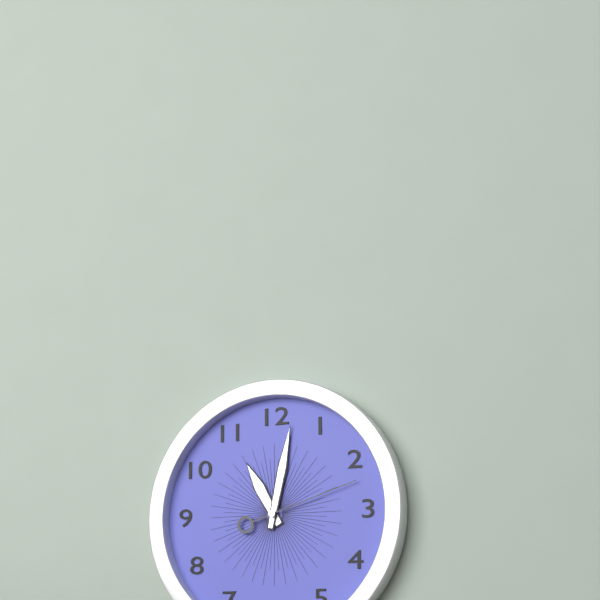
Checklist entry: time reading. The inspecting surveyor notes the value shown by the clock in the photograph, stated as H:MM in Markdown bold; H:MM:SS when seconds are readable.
**11:02:12**
